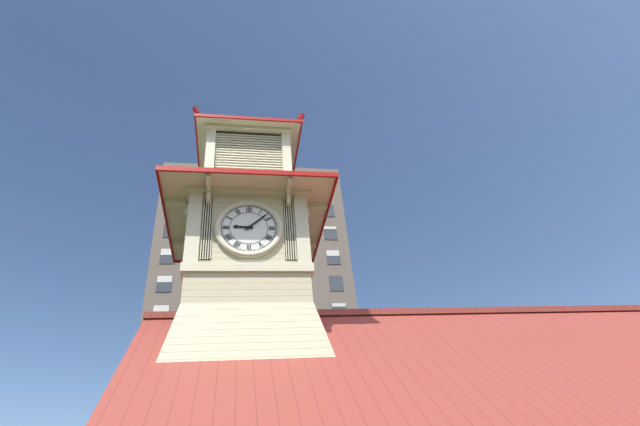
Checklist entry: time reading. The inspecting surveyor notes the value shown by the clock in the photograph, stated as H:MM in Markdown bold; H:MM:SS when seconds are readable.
**9:08**
